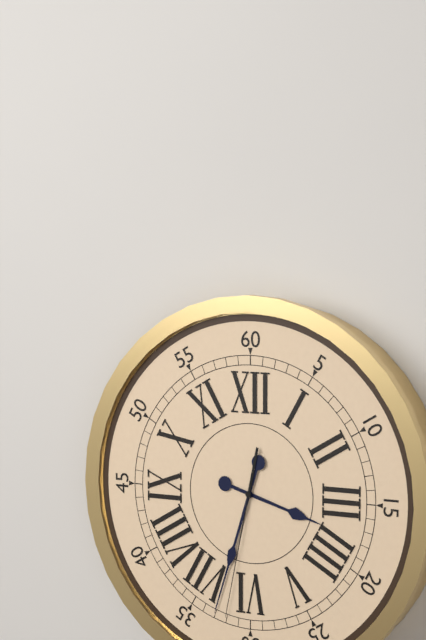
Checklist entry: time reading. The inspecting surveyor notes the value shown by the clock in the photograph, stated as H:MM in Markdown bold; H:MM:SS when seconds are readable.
**3:33:32**
